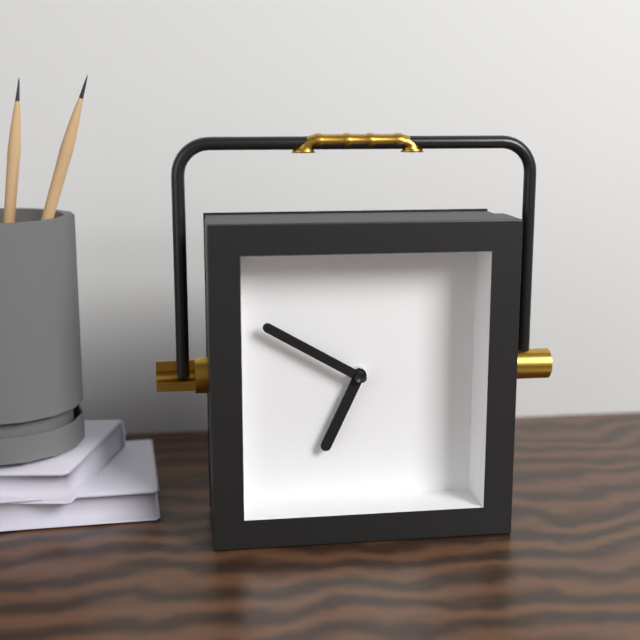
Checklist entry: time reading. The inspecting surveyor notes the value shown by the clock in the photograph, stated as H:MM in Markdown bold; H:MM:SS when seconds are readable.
**6:50**
